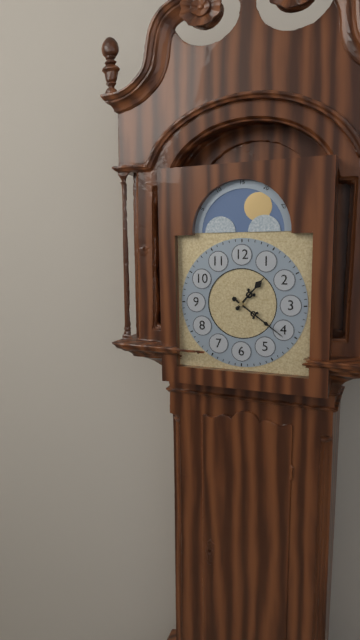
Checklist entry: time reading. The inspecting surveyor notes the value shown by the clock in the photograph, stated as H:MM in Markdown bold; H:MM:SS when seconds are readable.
**1:21**
